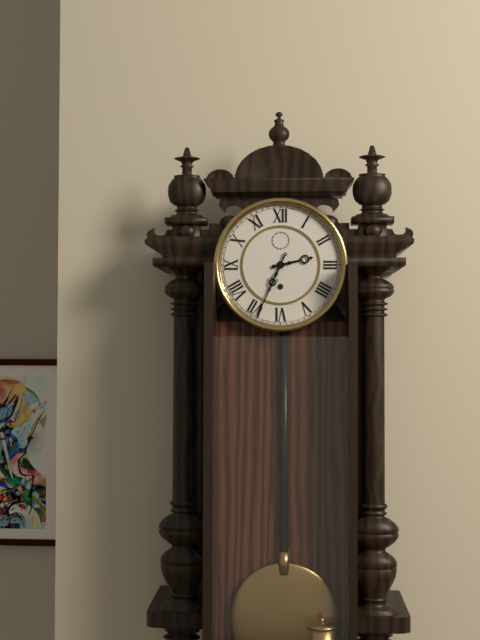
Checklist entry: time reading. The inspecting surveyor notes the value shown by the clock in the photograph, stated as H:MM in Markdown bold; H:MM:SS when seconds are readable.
**2:34**
